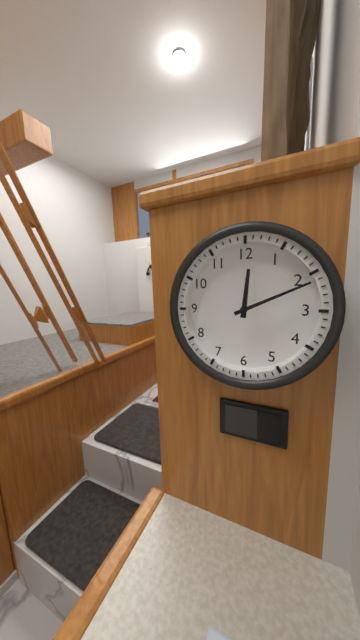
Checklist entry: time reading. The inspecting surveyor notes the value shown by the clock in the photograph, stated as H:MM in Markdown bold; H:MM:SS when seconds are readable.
**12:11**
